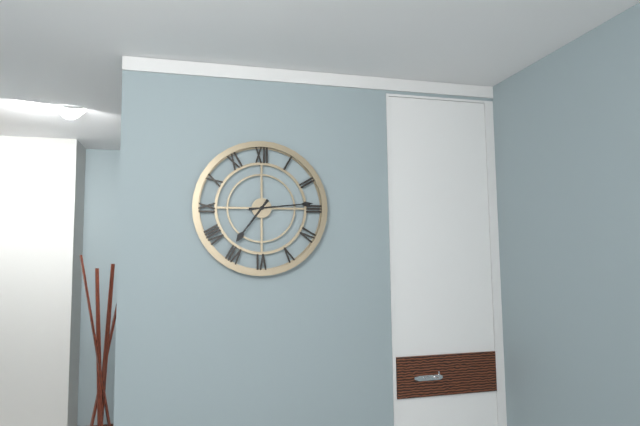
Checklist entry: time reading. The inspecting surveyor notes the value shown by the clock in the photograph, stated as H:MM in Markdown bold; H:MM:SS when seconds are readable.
**7:14**
